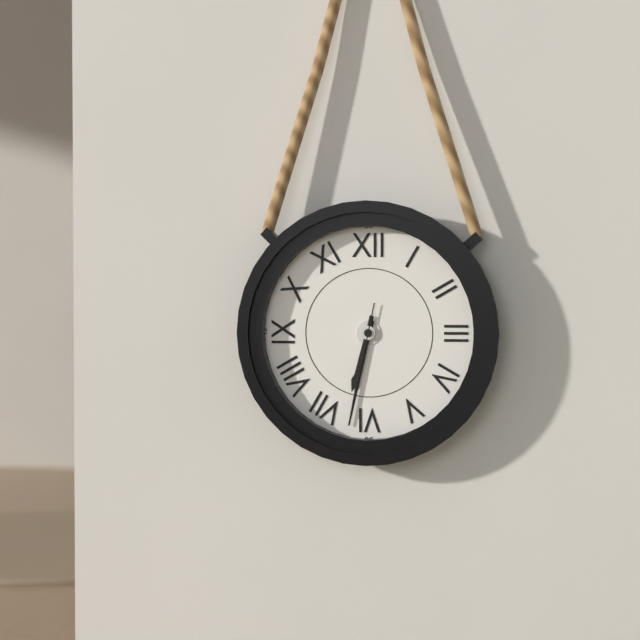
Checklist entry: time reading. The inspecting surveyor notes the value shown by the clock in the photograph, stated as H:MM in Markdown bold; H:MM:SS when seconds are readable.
**6:32:32**
